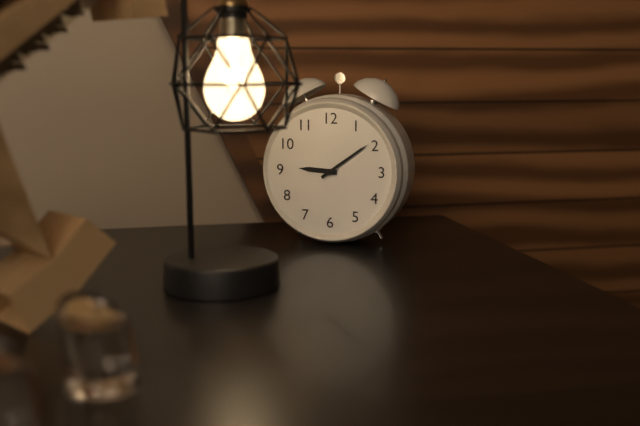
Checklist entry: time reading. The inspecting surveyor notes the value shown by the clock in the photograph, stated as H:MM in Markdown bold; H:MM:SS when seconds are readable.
**9:09**
